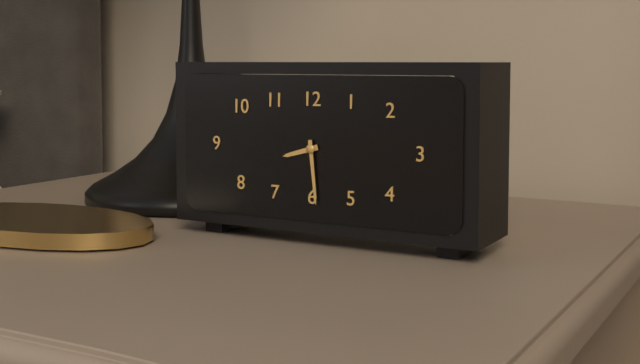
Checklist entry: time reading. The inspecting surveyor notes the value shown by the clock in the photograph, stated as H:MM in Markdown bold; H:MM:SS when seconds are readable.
**8:29**
